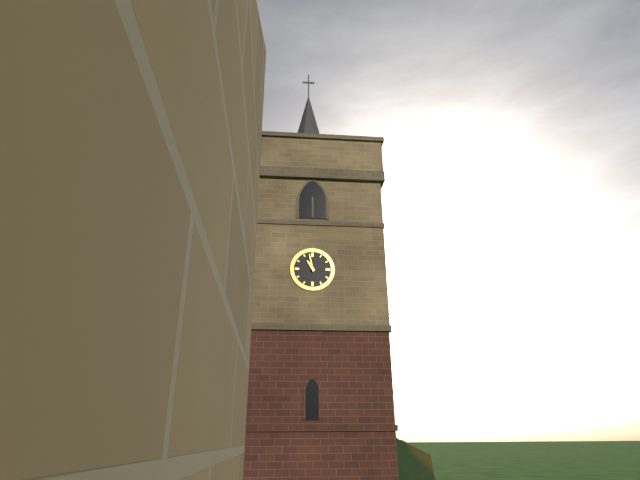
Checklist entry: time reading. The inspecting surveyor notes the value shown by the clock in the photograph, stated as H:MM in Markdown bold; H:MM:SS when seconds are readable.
**10:58**
